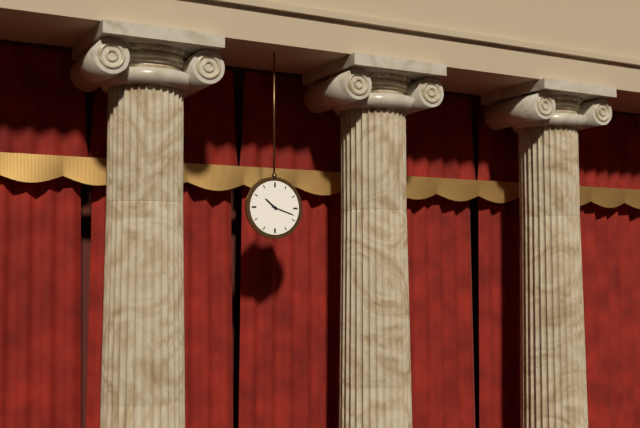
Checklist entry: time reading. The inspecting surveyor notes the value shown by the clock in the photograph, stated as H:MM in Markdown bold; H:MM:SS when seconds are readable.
**10:18**
